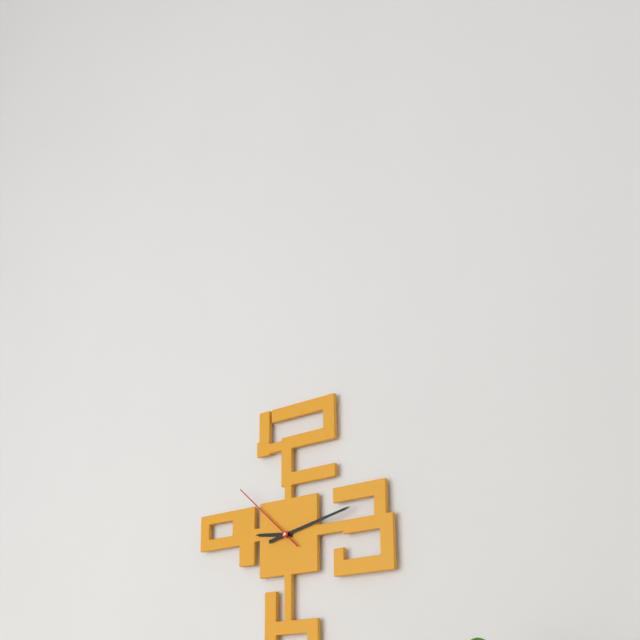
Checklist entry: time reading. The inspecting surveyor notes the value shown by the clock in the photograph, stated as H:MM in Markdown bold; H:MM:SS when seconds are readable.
**9:13:52**
